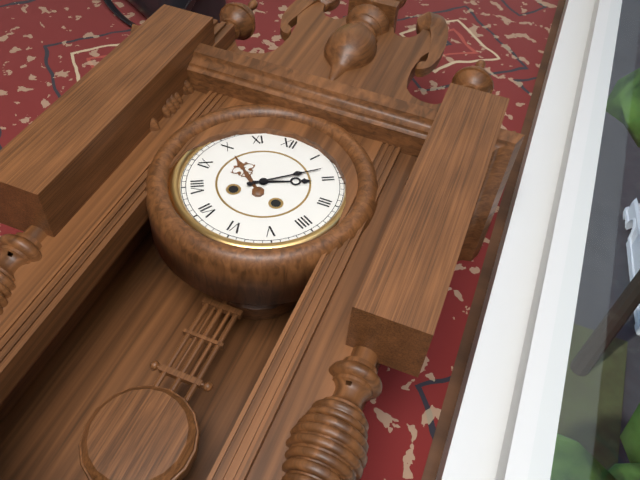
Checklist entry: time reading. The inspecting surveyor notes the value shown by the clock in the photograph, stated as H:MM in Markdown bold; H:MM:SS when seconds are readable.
**2:08**
